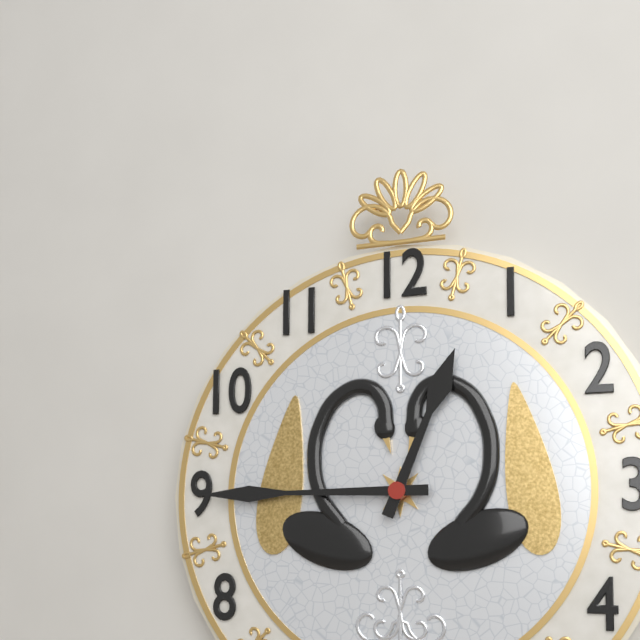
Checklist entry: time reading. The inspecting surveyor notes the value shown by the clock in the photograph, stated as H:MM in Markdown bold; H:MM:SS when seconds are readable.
**12:45**
